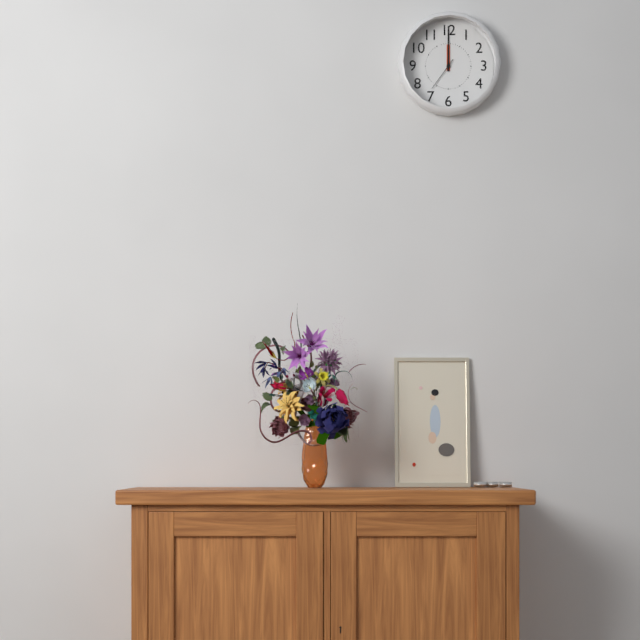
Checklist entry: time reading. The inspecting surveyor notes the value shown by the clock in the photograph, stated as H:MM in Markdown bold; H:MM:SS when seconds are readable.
**12:00**
